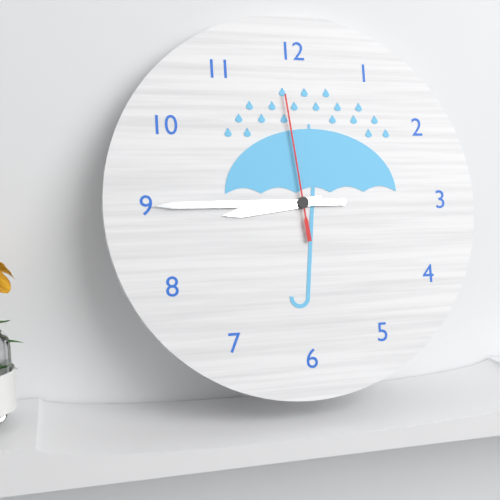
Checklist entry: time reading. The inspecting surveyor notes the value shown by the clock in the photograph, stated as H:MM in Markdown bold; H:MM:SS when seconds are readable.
**8:45:59**
